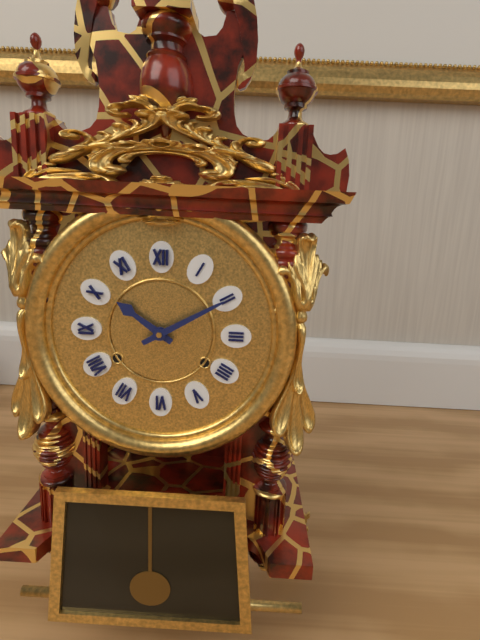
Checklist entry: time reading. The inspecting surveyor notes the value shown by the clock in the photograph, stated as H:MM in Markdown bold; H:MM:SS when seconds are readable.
**10:10**
